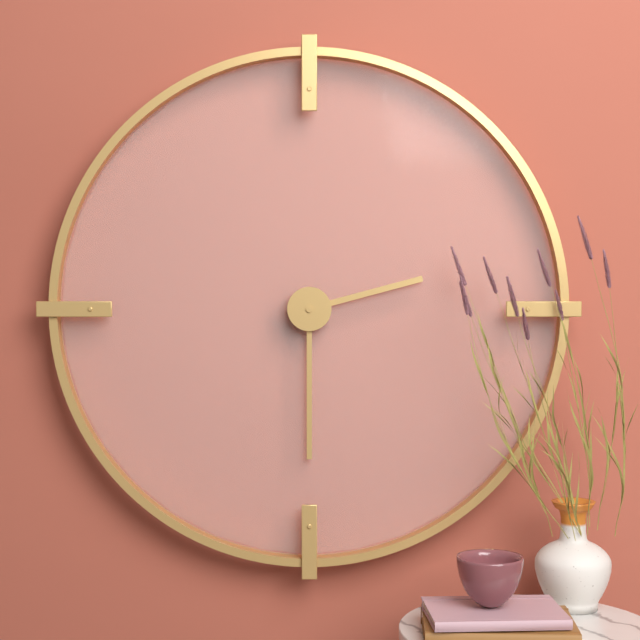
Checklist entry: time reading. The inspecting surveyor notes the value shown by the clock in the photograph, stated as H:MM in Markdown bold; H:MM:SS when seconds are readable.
**2:30**
